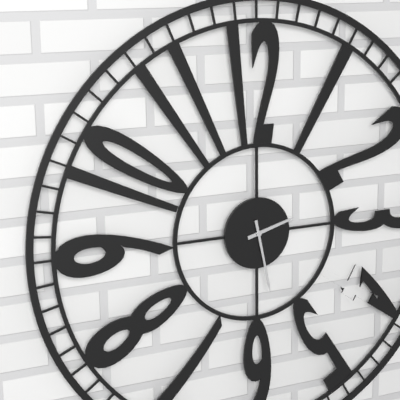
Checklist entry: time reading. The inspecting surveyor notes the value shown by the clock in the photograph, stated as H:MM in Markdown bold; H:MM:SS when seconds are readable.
**2:28**
